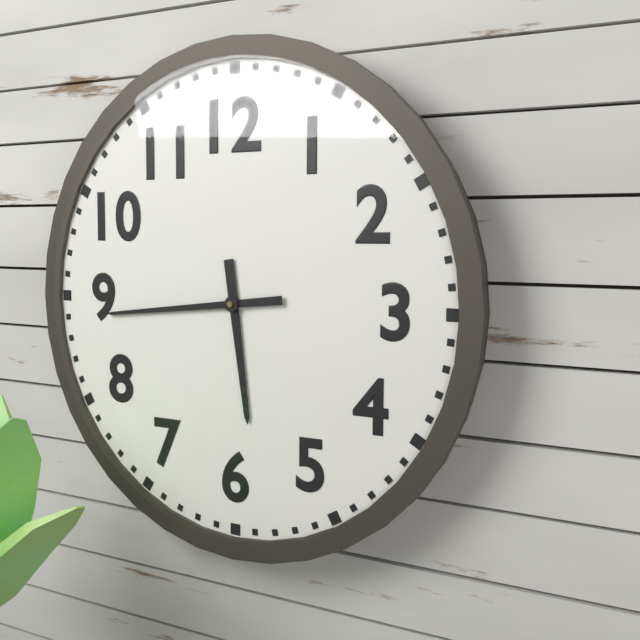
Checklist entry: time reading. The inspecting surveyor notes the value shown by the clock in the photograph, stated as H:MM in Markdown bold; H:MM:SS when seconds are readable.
**5:44**
